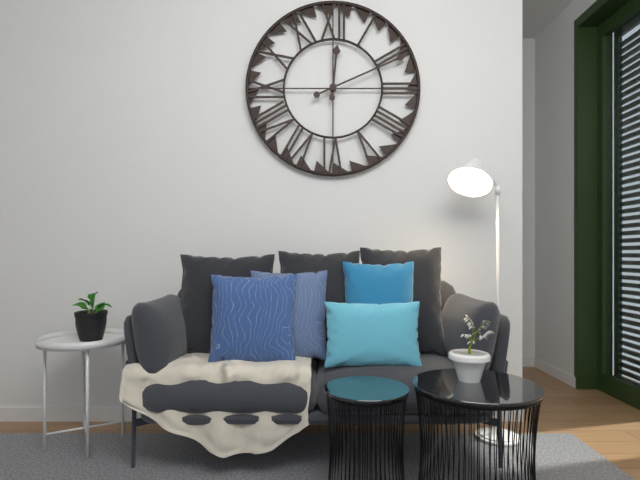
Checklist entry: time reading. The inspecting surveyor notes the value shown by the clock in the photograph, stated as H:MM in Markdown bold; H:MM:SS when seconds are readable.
**12:11**
